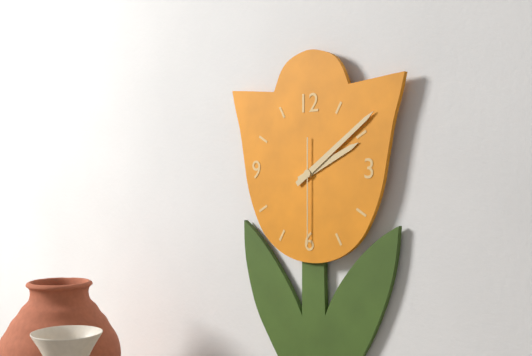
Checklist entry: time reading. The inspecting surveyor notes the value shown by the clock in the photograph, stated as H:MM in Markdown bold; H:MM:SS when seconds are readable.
**2:09:30**
